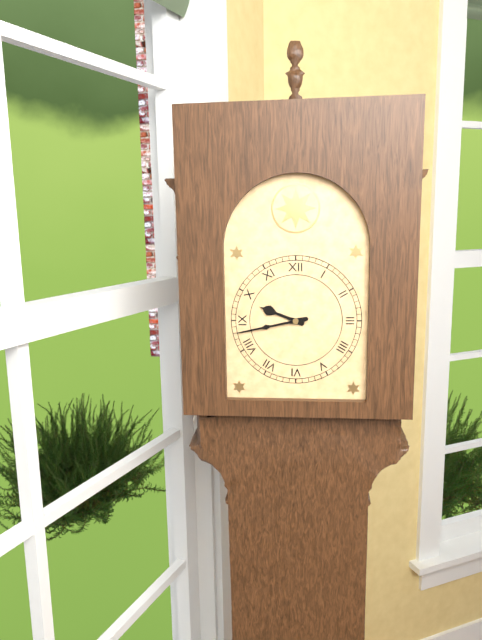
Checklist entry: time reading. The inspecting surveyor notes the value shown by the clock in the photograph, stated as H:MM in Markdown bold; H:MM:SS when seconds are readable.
**9:43**
